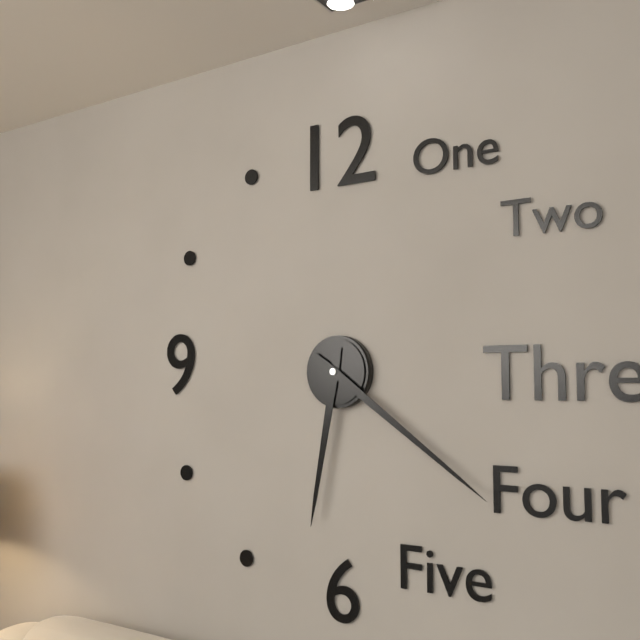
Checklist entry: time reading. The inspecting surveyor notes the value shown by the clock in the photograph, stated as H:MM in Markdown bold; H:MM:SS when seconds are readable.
**6:21**
